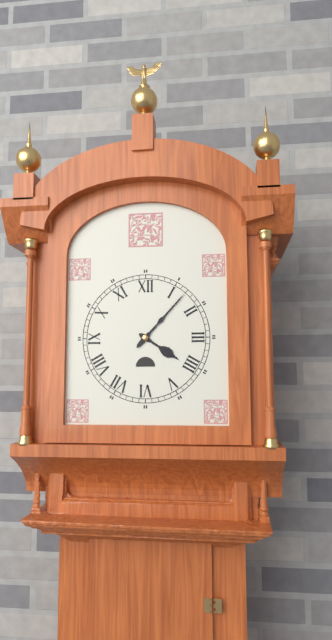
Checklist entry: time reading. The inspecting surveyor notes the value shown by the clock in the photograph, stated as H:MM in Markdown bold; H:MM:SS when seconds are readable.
**4:07**
